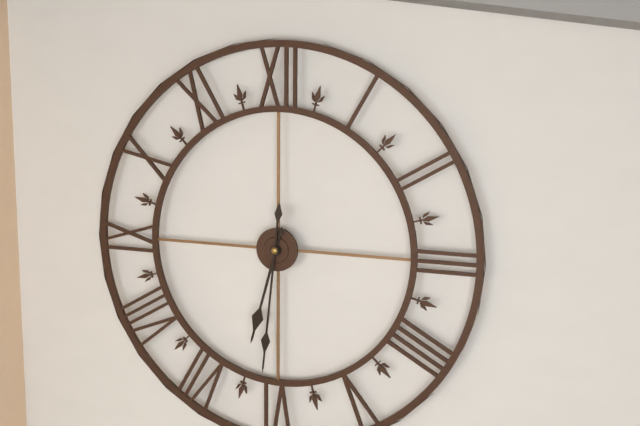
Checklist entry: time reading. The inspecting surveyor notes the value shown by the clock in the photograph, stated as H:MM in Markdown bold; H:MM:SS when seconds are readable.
**6:31**
